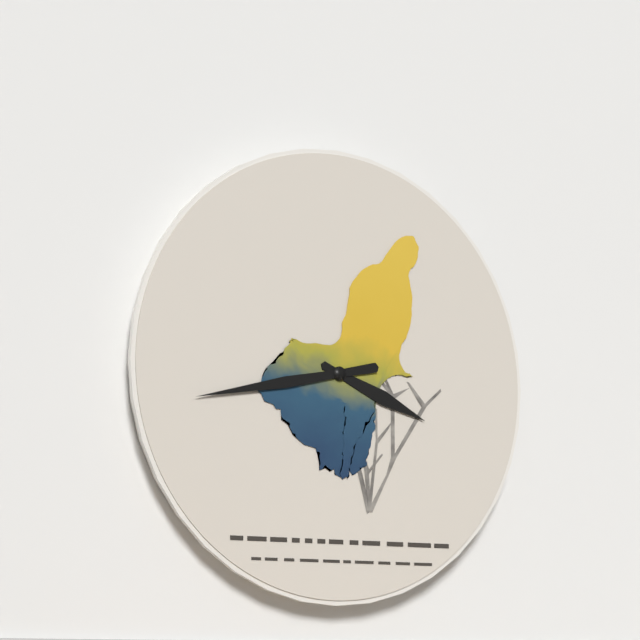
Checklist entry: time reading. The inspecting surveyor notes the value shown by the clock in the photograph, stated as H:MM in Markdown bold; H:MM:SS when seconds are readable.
**3:43**
